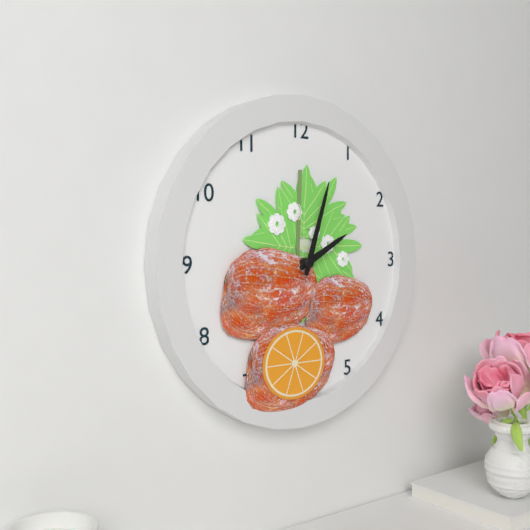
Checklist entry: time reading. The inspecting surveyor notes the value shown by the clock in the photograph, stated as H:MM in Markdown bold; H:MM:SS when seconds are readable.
**2:03**
